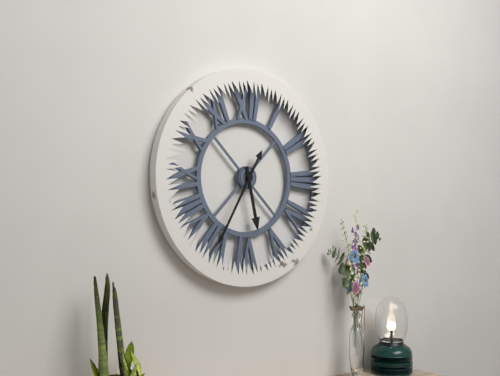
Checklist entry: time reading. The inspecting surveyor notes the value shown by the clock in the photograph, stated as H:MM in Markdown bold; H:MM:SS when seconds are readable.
**5:35**
